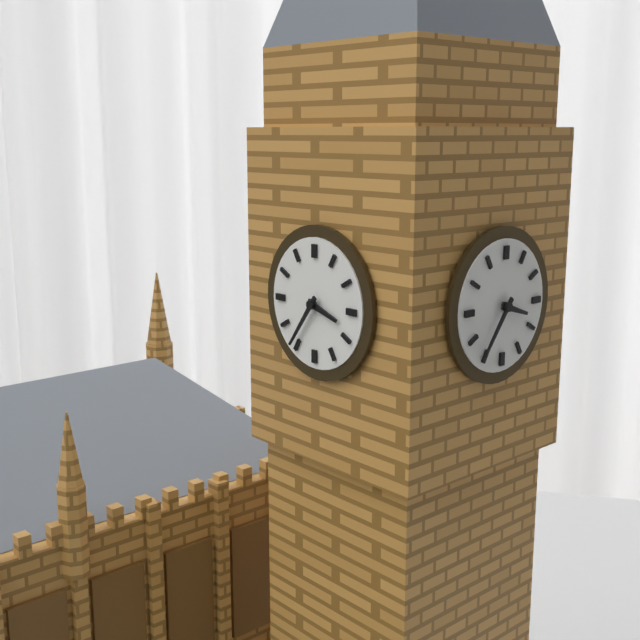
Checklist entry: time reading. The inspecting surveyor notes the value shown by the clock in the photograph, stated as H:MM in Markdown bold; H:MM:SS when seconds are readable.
**3:36**
